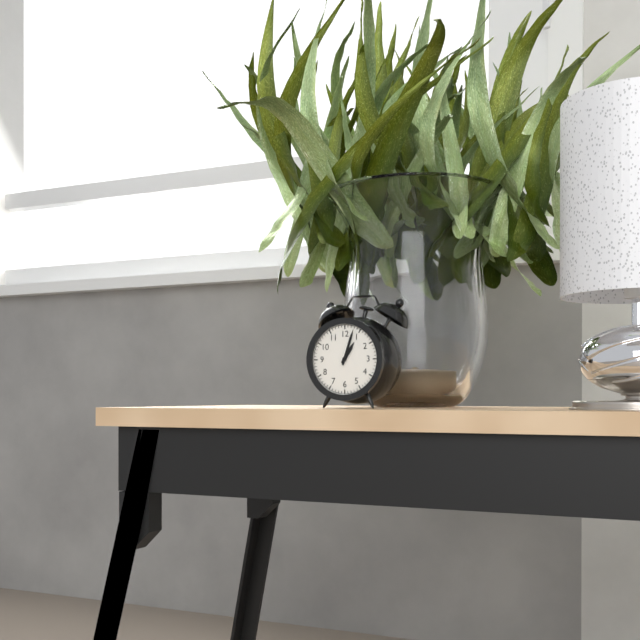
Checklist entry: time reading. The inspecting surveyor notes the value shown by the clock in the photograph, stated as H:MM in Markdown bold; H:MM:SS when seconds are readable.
**1:03**
